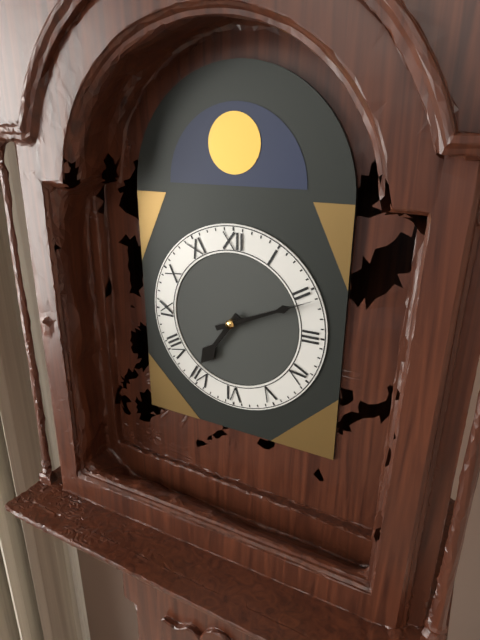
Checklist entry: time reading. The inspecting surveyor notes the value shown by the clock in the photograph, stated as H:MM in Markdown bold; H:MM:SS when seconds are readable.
**7:11**
